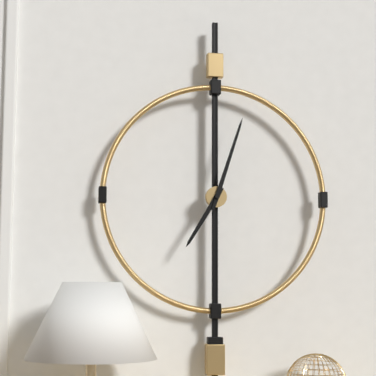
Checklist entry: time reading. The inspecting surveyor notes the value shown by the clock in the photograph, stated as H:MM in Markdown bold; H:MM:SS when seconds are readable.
**7:03**
